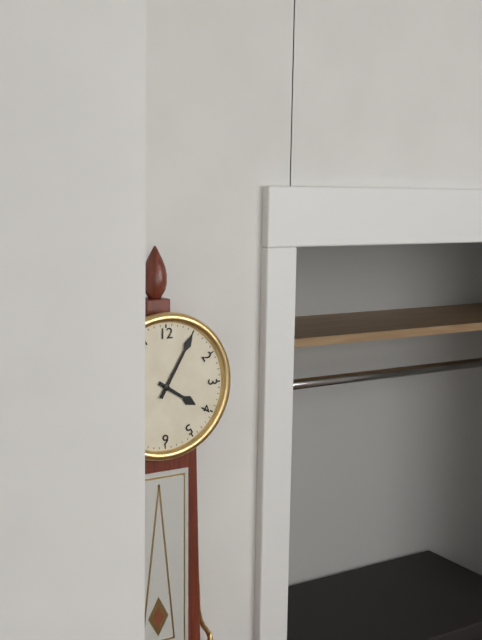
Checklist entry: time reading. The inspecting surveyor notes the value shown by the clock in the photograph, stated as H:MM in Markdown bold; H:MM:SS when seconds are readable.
**4:05**
